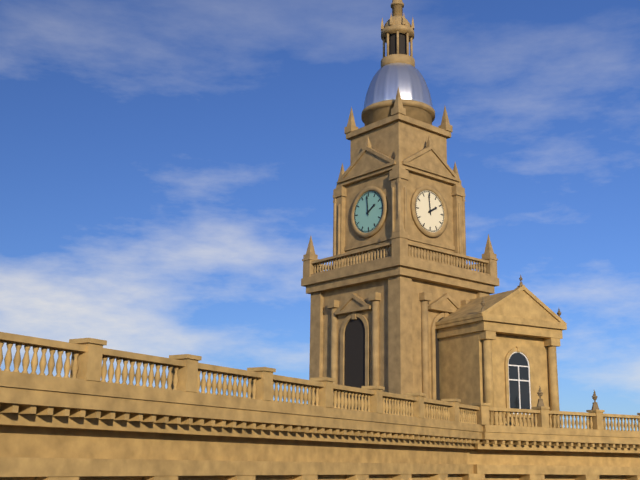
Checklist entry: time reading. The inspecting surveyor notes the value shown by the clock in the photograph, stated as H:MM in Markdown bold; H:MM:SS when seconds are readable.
**1:59**
